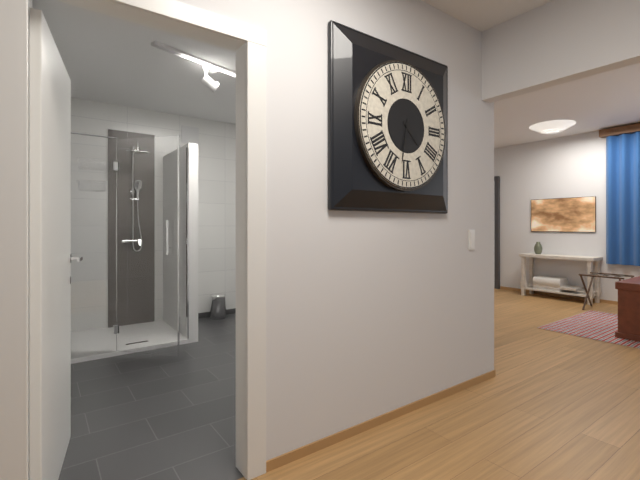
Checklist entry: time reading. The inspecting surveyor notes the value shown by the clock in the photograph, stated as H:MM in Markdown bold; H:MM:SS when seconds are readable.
**4:32**
